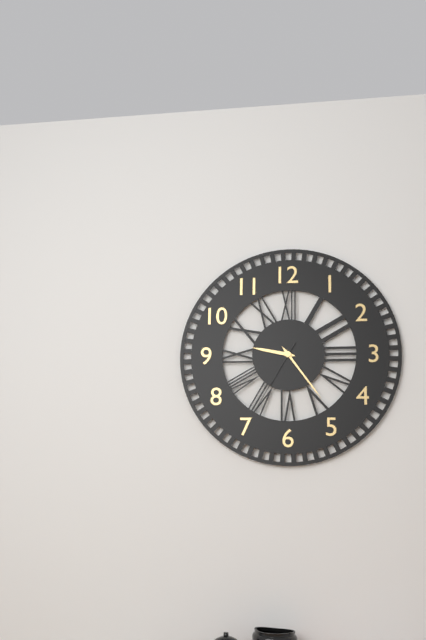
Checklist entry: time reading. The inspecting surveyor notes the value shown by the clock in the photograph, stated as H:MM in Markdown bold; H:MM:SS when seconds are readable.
**9:24:35**
